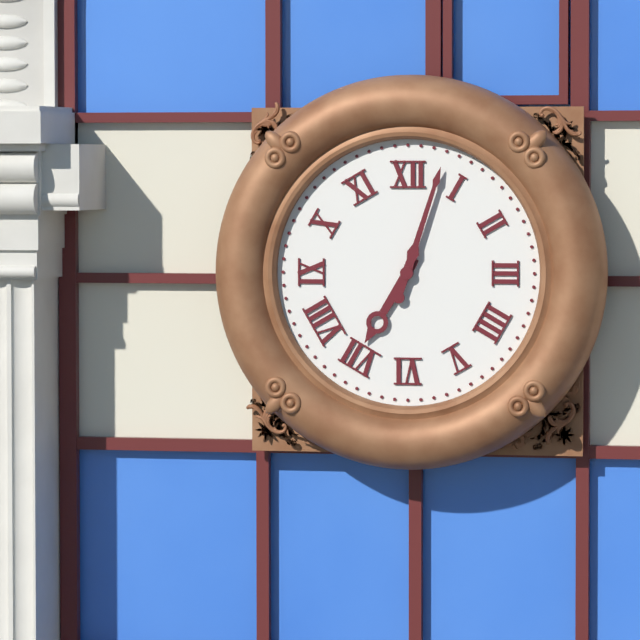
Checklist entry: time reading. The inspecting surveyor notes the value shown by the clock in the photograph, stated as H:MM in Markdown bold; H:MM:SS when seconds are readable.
**7:03**
